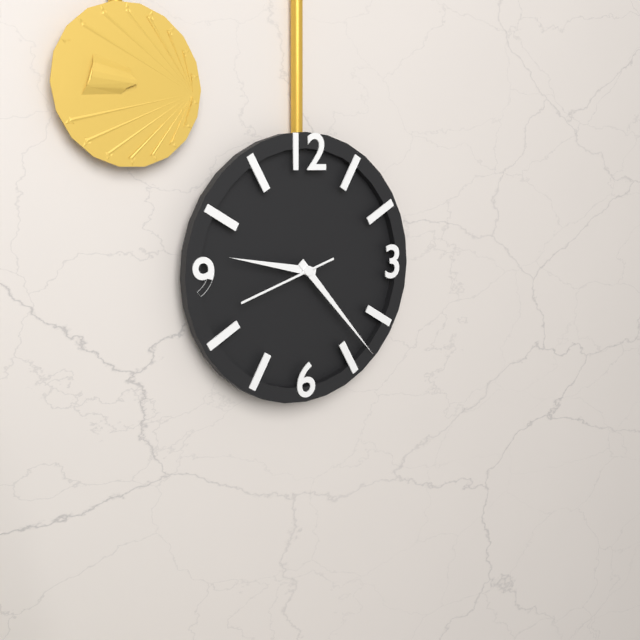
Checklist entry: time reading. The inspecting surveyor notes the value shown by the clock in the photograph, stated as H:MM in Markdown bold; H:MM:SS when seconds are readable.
**9:23:42**
